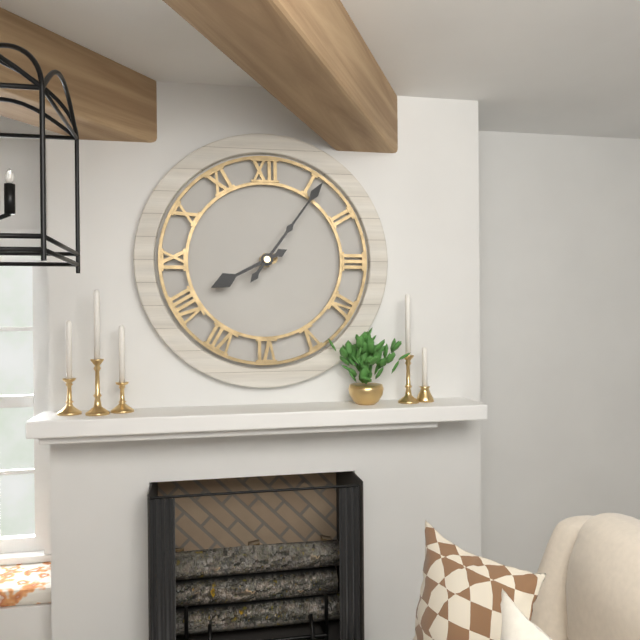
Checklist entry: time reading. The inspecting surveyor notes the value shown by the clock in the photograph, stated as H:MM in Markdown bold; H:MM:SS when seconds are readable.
**8:06**
